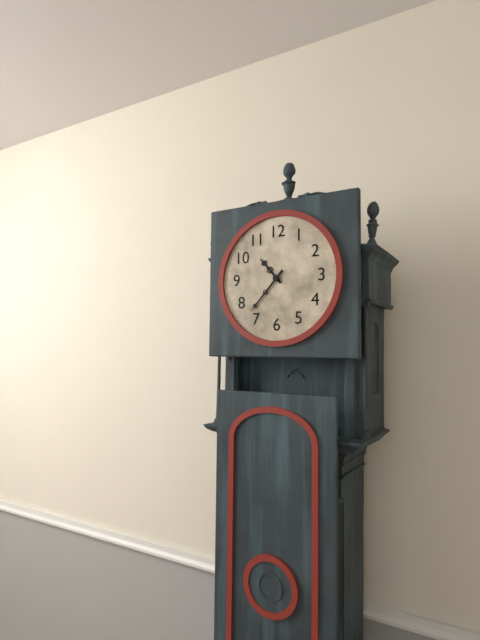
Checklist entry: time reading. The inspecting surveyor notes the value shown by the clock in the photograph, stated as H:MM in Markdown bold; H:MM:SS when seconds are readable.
**10:37**
